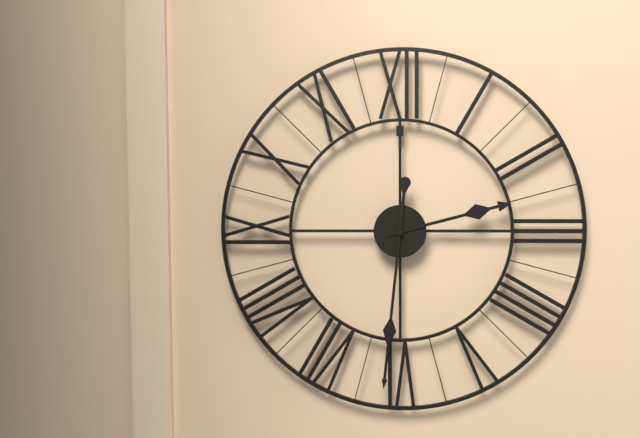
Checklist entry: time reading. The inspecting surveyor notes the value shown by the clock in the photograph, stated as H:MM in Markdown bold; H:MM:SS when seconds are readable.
**2:31**
